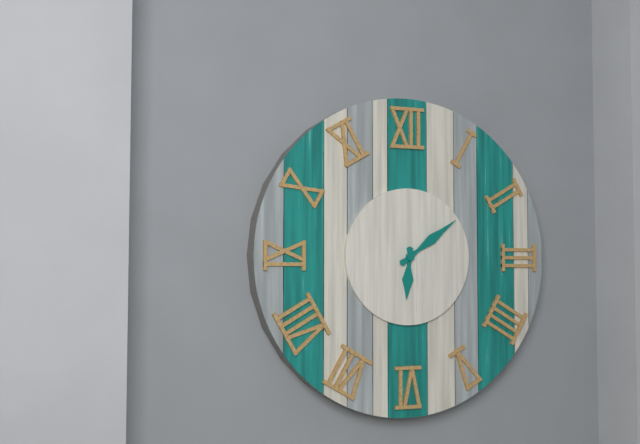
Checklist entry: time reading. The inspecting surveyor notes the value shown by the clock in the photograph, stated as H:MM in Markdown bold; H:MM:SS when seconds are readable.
**6:09**
